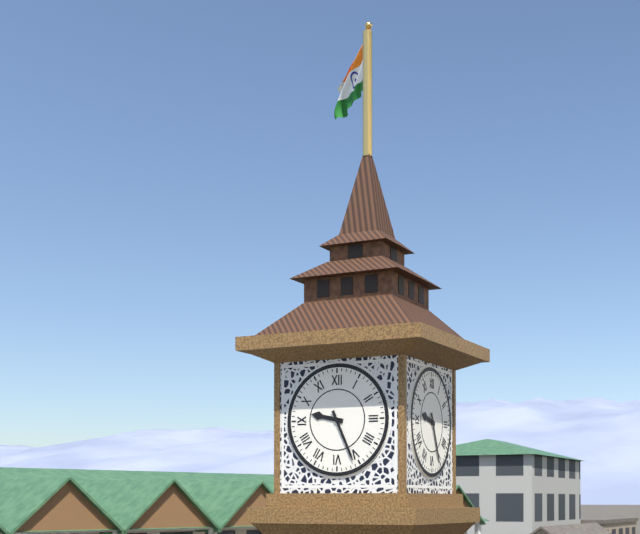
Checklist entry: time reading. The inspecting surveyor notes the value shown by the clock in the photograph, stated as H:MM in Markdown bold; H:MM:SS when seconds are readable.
**9:26**
